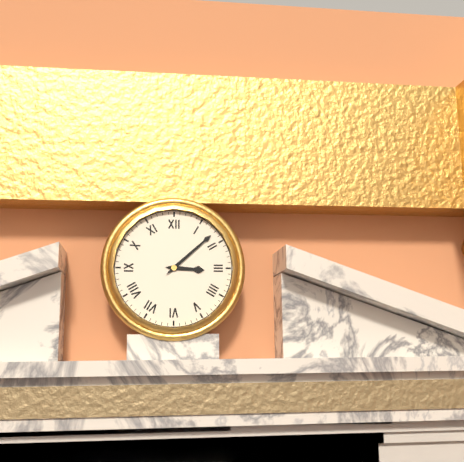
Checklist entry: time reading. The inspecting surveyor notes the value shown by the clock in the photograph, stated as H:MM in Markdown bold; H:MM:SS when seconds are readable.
**3:08**
